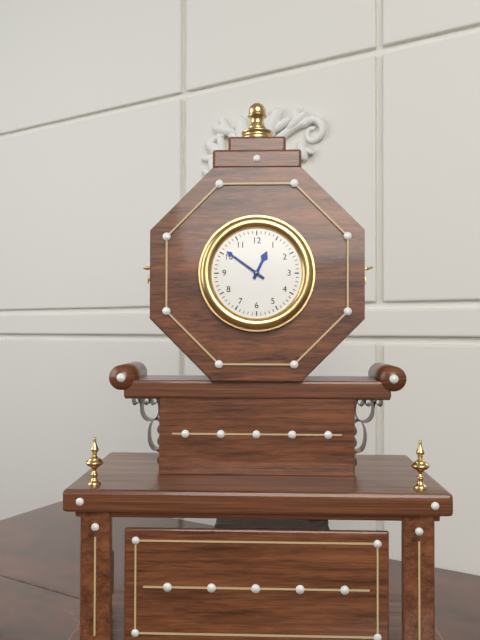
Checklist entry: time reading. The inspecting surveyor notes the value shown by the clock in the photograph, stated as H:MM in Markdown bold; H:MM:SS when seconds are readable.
**12:51**
